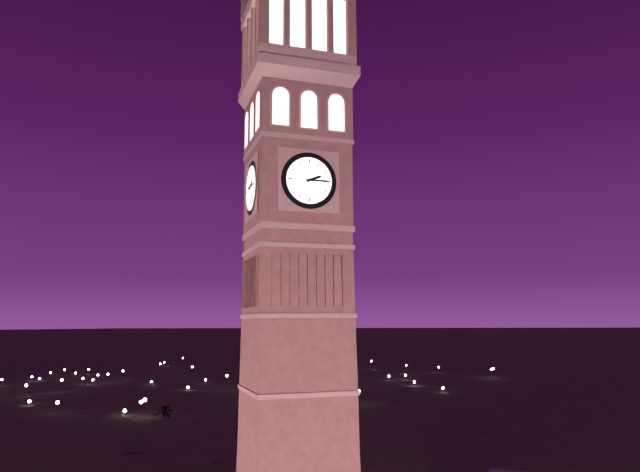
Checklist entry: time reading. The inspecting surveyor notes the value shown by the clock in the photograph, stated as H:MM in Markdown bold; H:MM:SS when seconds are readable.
**2:15**
